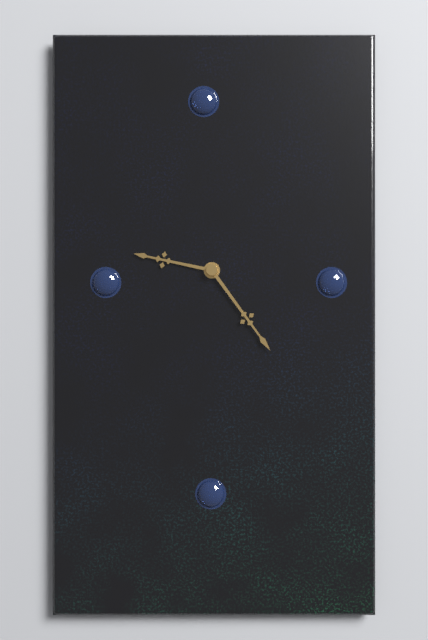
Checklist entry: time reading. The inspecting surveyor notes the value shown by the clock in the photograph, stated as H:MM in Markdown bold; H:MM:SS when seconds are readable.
**9:24**
